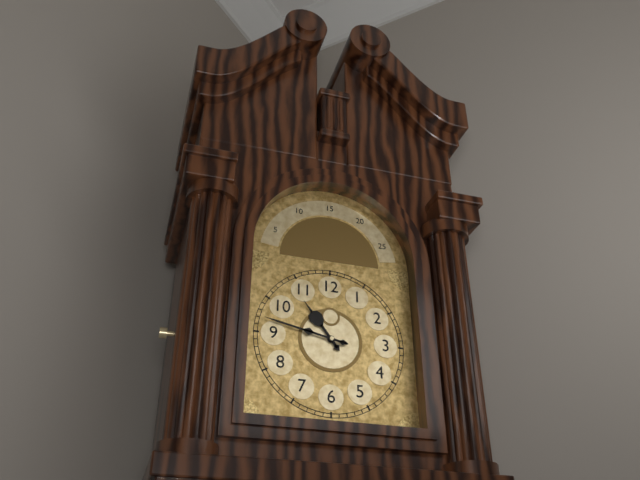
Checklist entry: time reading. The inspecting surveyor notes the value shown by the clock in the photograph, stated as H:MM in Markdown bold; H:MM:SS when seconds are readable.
**10:47**
